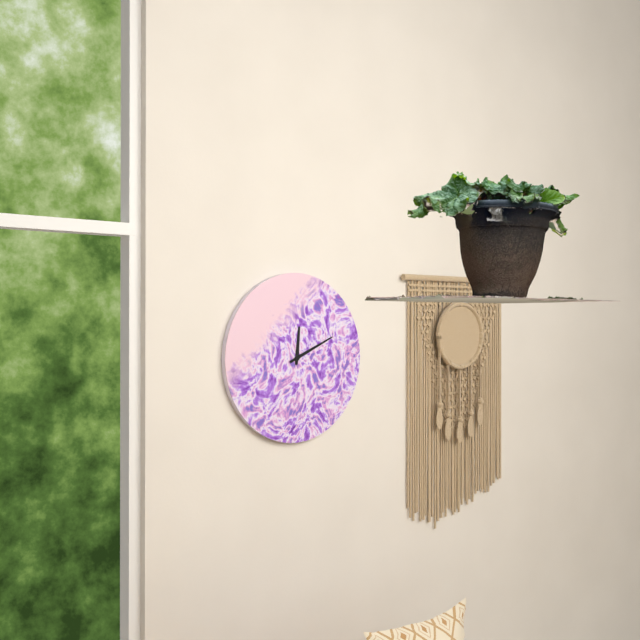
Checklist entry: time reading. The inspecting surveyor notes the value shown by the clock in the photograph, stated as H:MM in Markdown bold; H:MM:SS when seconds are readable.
**12:11**
